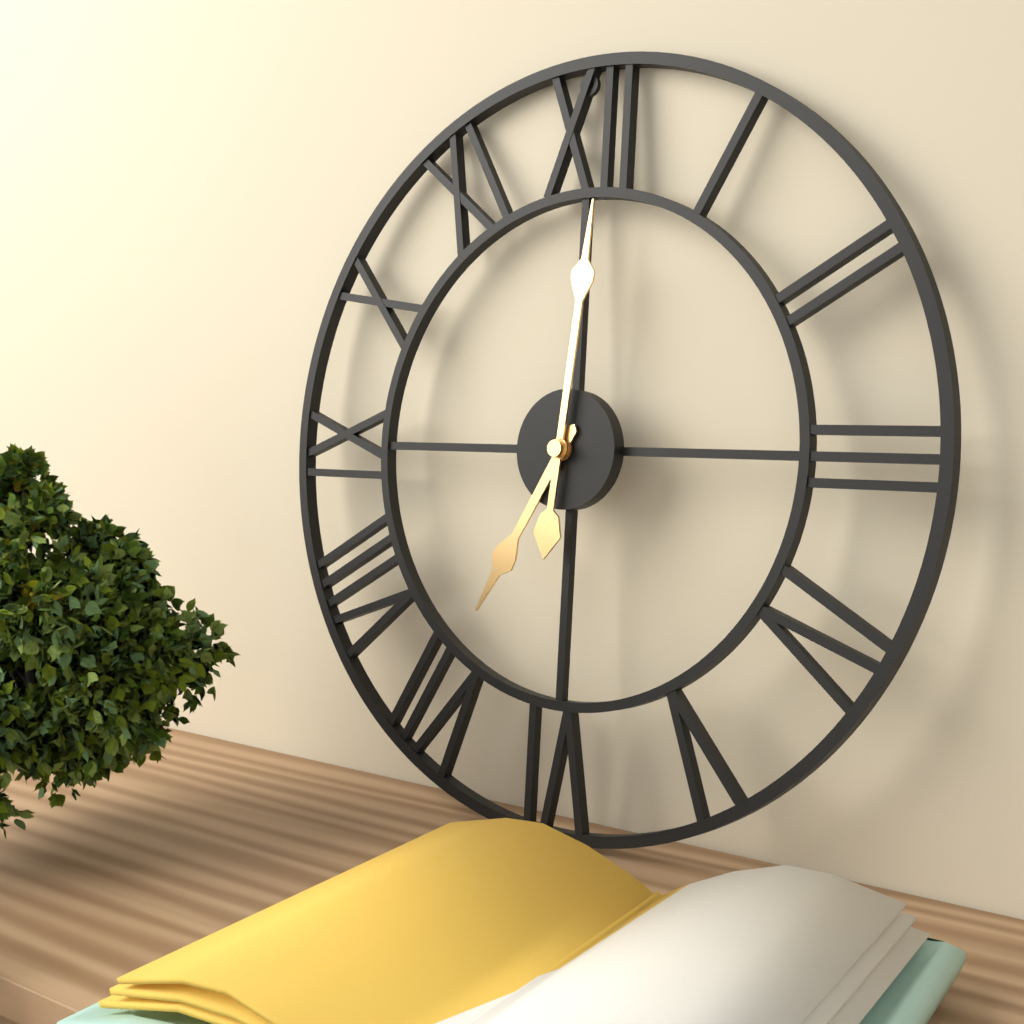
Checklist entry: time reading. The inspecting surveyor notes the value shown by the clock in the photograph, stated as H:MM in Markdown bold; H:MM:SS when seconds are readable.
**7:01**
